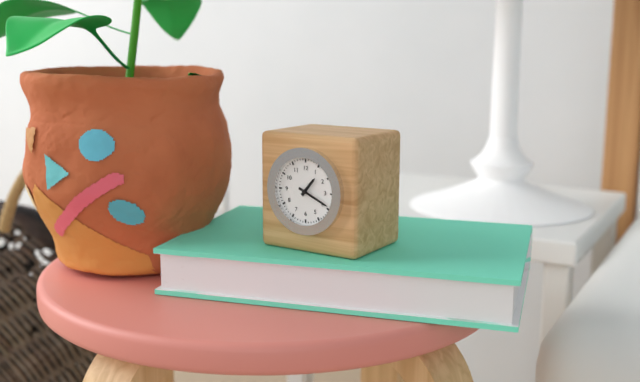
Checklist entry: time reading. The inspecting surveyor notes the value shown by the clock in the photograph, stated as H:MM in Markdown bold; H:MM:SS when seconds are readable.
**1:19**
